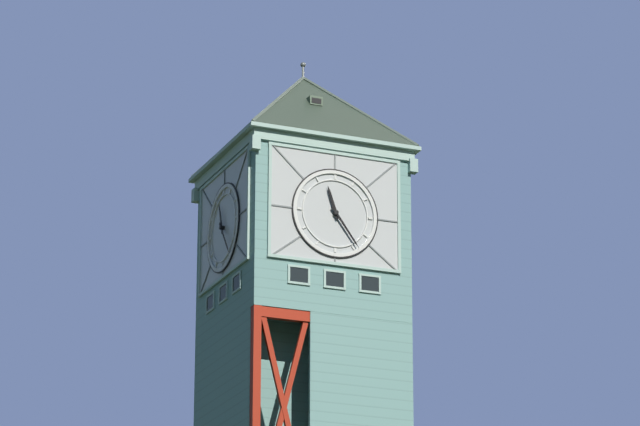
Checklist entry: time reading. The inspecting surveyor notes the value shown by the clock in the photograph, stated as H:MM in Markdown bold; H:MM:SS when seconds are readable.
**11:24**
